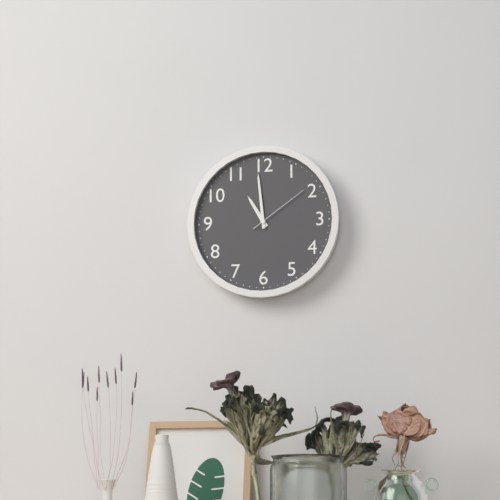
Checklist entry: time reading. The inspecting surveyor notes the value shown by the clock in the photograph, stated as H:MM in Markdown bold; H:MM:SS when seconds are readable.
**10:59:09**
